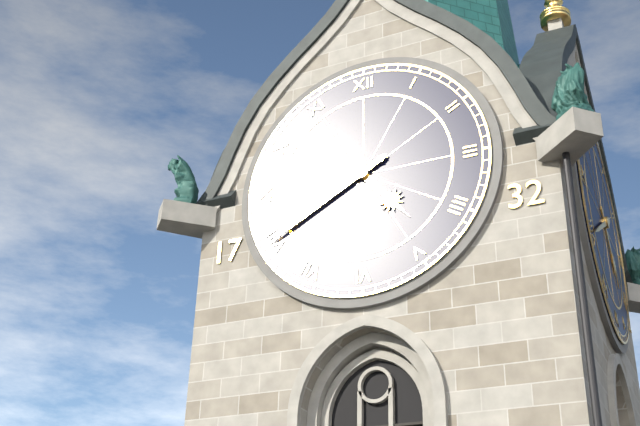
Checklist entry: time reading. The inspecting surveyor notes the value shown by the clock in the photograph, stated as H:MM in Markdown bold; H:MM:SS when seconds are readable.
**4:40**
